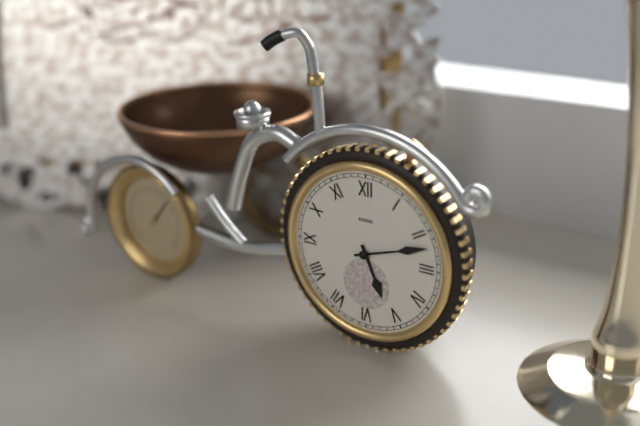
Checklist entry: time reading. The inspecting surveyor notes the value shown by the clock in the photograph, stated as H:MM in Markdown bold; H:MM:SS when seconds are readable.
**5:12**
